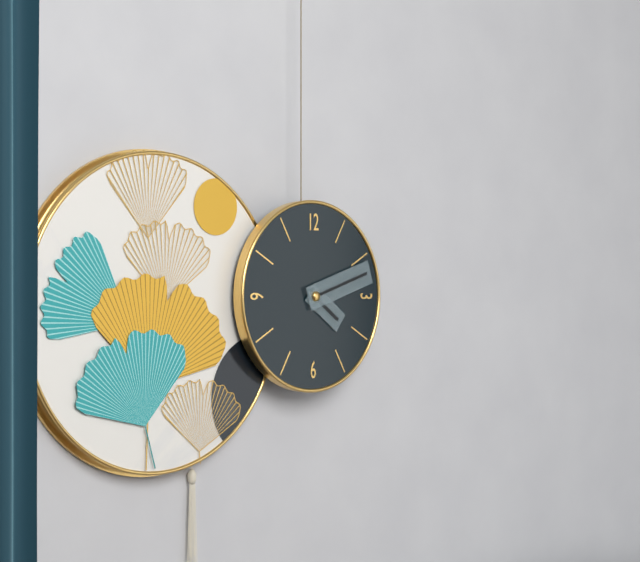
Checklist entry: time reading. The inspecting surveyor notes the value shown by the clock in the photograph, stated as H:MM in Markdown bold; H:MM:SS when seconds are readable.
**4:12**
